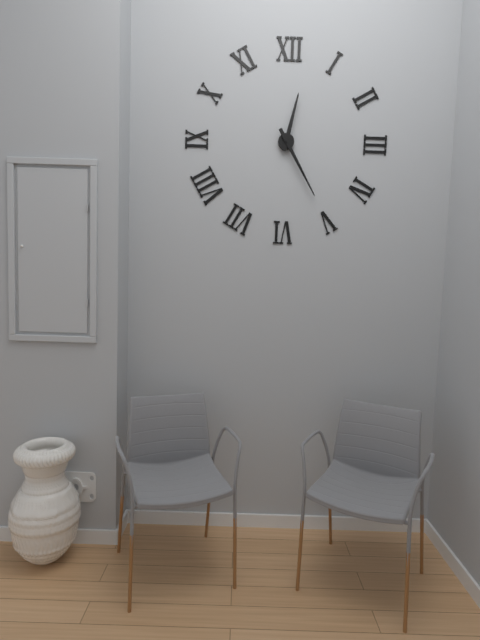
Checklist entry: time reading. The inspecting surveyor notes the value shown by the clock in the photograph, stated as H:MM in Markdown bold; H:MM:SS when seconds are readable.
**12:25**
